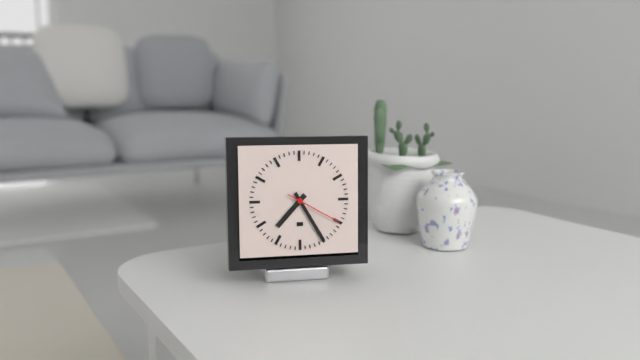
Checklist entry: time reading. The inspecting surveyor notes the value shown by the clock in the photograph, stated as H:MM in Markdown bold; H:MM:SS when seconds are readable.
**7:25:20**
